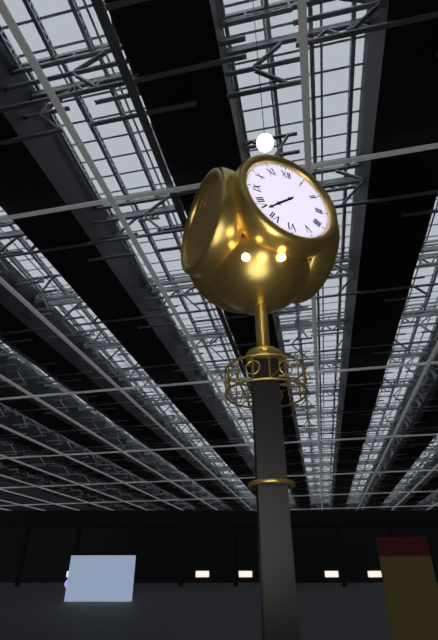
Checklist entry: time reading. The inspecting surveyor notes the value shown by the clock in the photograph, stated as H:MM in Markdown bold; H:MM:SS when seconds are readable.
**7:38**
